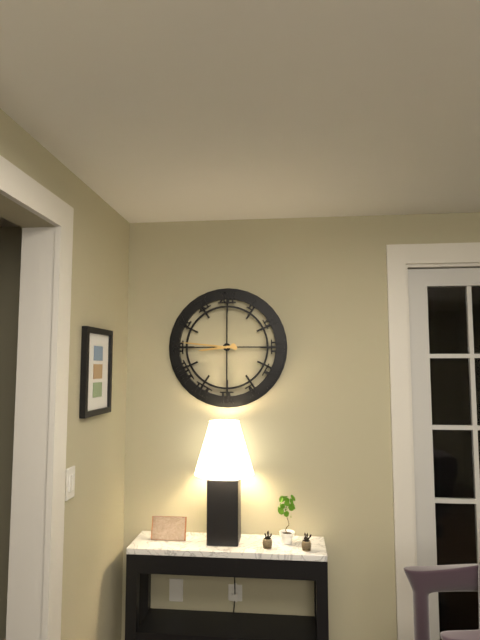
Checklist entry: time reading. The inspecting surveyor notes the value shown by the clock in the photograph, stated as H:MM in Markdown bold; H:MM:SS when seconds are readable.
**8:46**
